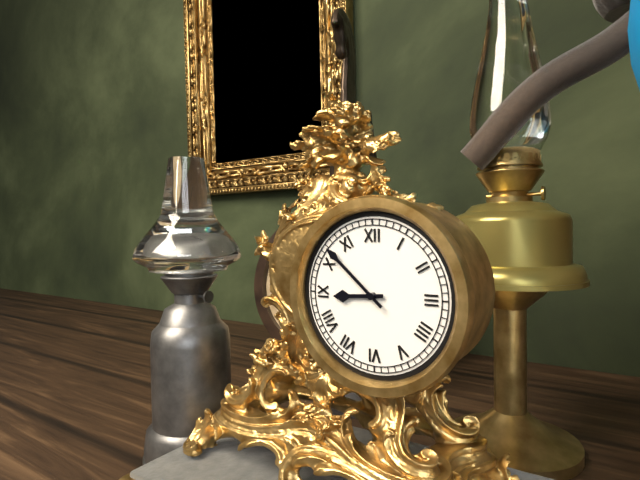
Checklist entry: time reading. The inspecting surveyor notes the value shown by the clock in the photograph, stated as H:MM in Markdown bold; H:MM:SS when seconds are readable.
**8:52**
